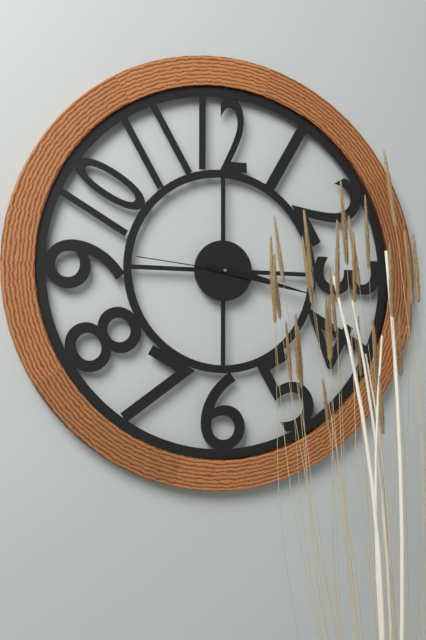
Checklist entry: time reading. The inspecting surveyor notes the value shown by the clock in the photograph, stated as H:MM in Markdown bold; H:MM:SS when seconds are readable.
**3:17:46**
